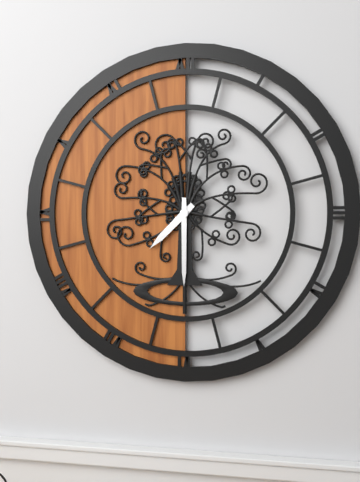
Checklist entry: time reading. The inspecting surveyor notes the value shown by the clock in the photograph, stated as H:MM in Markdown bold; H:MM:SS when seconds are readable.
**7:30**
